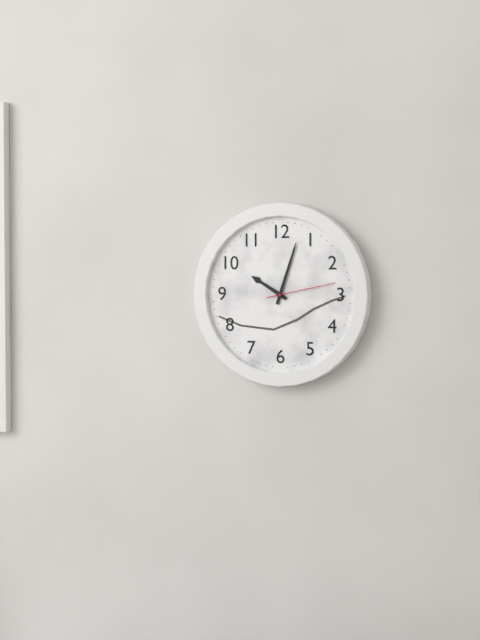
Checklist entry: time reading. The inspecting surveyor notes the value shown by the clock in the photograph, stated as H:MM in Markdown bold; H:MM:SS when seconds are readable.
**10:03:13**
